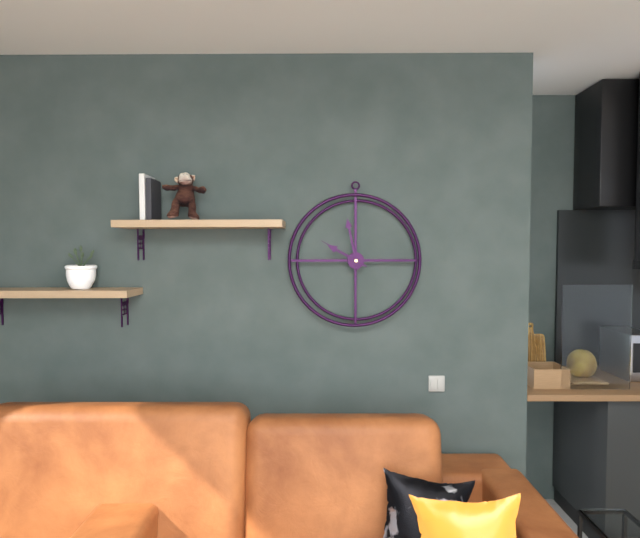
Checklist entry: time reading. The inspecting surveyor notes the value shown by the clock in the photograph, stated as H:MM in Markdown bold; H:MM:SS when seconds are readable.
**9:58**
